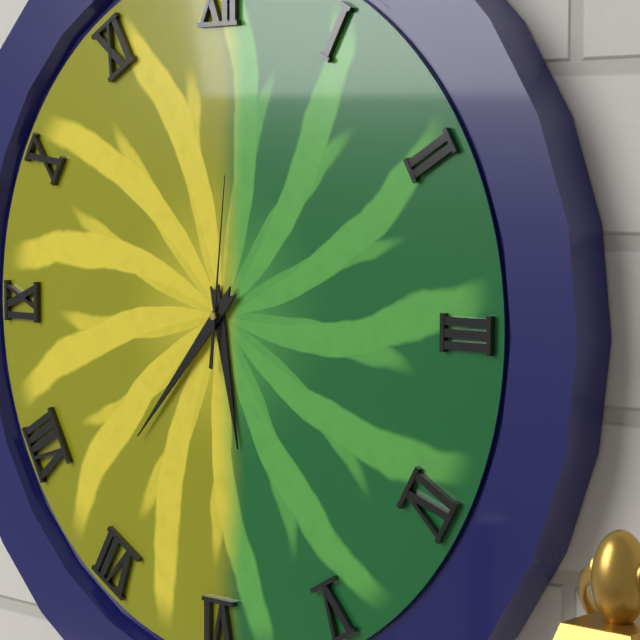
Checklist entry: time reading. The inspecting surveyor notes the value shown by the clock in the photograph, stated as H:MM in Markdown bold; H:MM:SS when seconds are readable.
**5:37:01**
